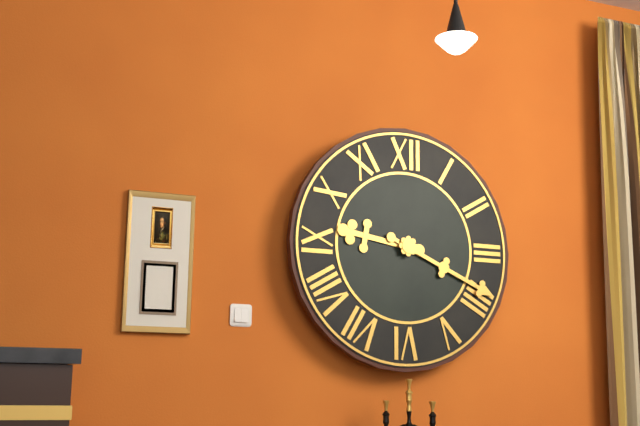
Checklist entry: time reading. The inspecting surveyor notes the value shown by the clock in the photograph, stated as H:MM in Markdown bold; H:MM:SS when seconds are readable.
**9:19**
